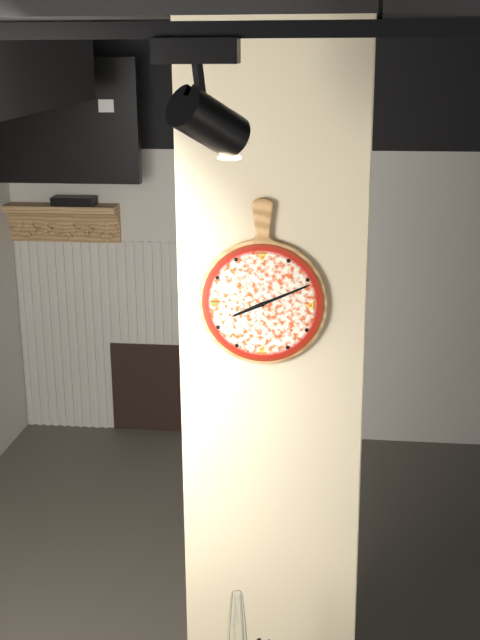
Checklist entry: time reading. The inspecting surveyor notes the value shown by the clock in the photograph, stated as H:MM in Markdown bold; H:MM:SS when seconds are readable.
**8:11**
